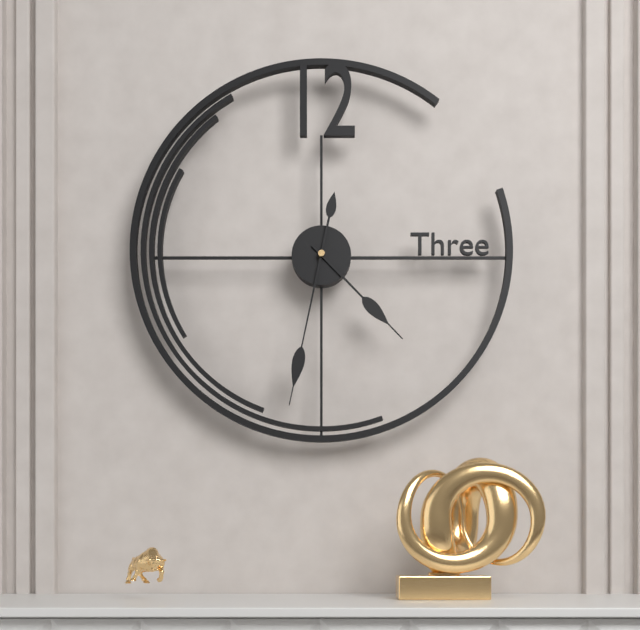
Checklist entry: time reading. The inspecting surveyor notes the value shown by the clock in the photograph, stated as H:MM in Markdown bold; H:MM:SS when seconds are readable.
**4:32**
